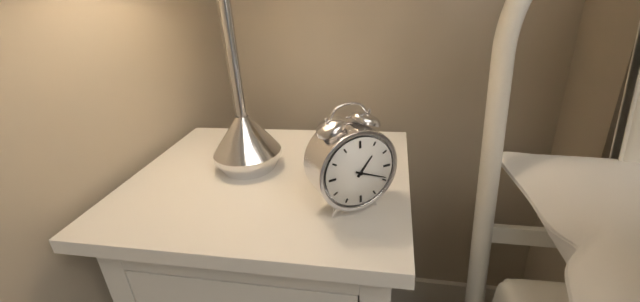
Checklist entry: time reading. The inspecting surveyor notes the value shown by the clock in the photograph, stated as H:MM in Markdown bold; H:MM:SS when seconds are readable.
**1:19**
